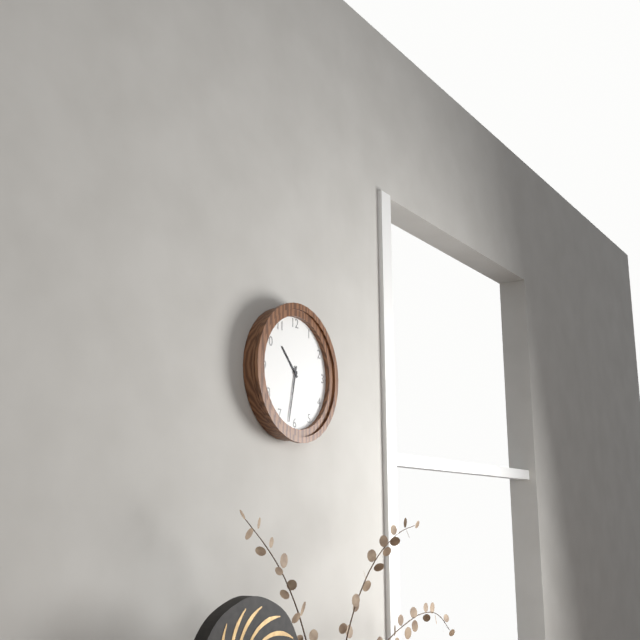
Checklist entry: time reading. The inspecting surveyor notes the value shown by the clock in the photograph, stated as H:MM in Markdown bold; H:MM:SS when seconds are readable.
**10:32**
